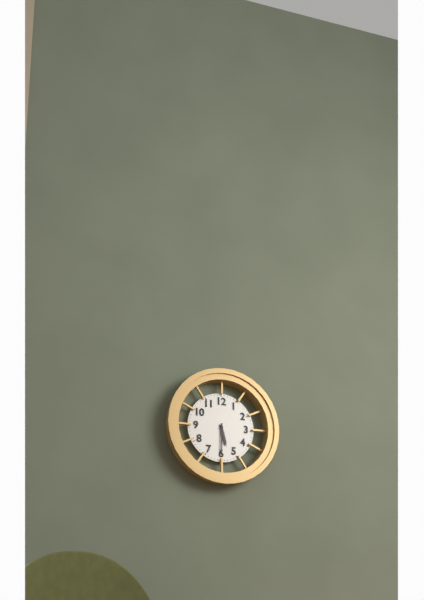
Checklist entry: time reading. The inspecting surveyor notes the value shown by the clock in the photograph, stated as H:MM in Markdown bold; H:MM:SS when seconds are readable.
**5:30**
